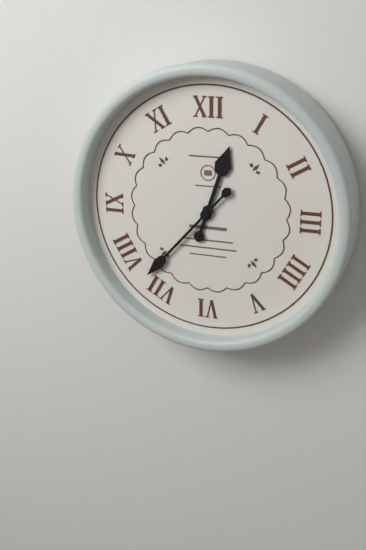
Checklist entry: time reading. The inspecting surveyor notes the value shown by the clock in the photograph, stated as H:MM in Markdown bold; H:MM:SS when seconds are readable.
**12:37**
